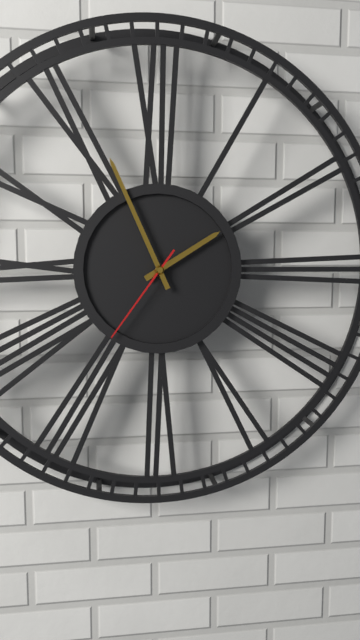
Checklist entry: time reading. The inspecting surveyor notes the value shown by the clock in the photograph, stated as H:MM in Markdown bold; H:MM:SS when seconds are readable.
**1:56:36**
